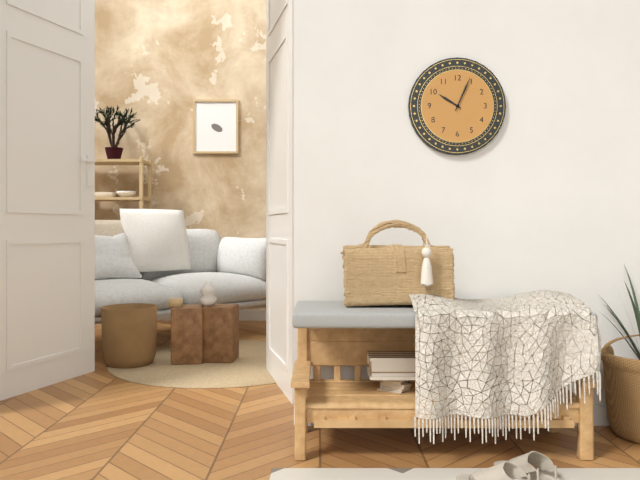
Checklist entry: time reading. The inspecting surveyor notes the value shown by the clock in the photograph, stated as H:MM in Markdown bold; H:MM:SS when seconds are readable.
**10:04**
